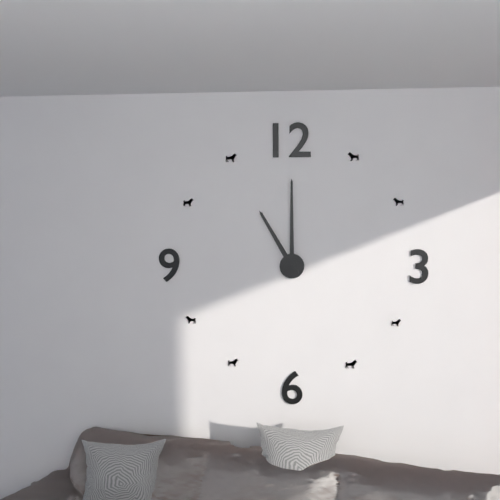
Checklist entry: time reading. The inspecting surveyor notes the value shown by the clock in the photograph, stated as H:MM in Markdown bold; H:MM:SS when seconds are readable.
**11:00**
